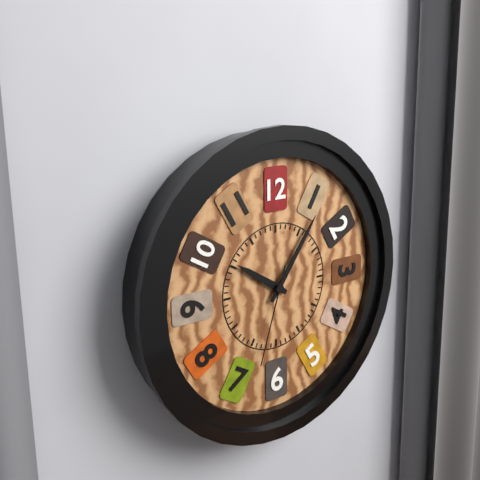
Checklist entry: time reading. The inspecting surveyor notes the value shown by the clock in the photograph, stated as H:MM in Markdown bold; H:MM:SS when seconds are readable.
**10:06:33**
